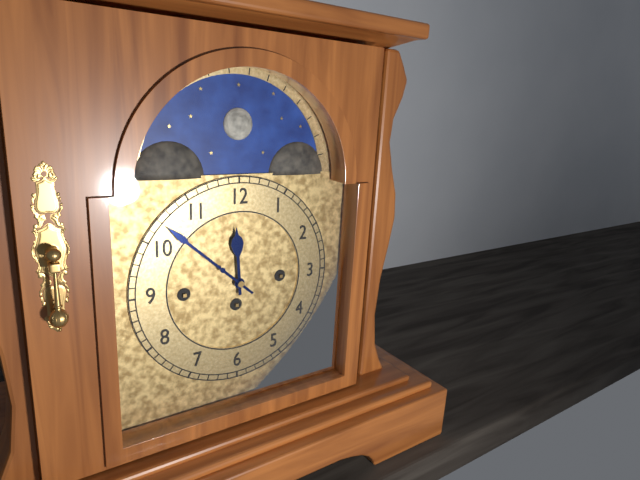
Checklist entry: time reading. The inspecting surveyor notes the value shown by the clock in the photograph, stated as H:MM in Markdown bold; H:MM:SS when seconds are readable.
**11:52**
